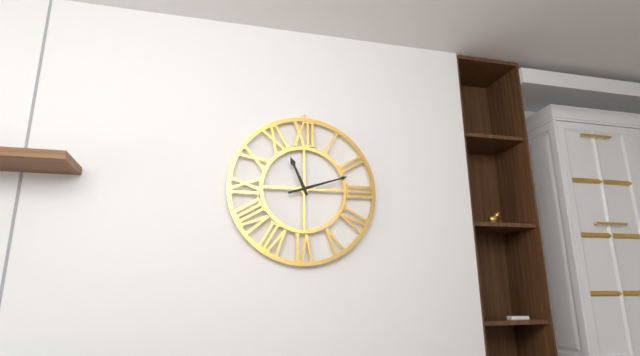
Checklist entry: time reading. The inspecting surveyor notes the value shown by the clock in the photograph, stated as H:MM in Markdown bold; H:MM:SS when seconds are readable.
**11:12**
